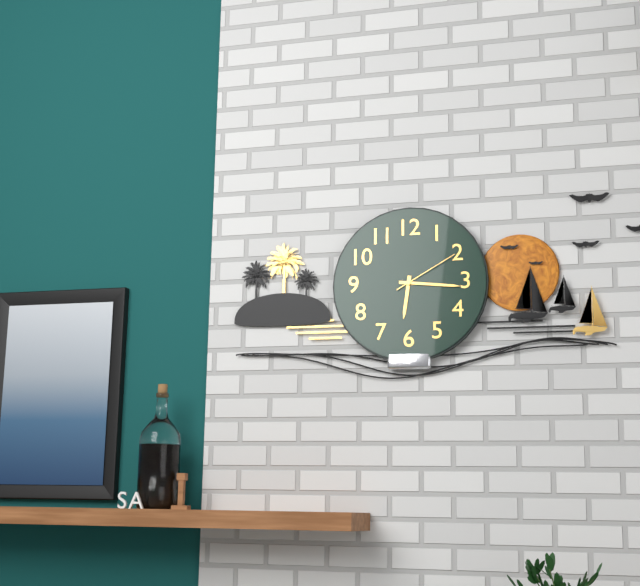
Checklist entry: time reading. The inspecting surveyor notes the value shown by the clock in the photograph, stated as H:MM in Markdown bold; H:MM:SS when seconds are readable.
**6:16:10**
